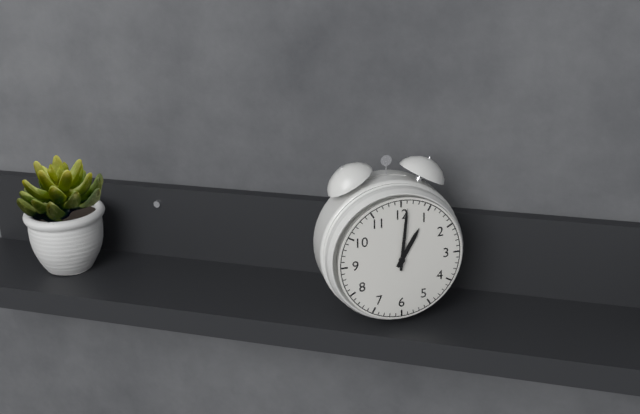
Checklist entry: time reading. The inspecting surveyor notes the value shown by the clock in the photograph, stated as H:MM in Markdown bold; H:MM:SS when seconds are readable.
**1:01**
